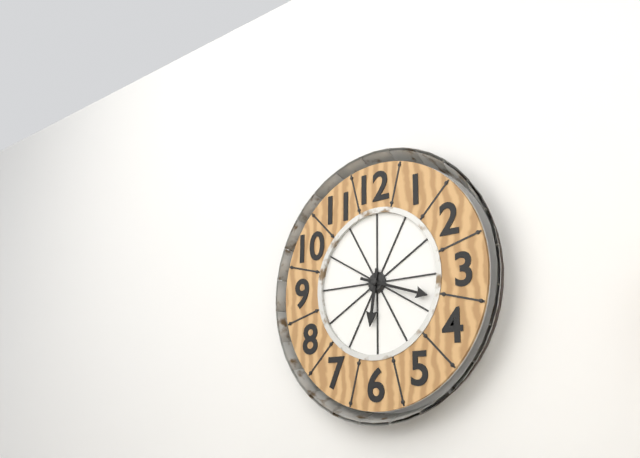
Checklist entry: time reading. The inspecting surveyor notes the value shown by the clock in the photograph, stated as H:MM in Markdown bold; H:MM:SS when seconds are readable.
**6:18**
